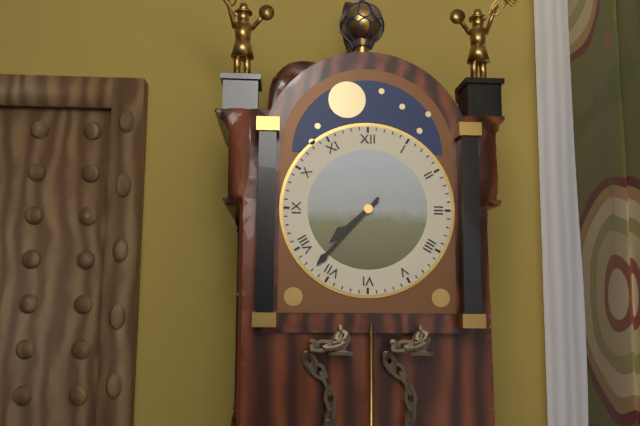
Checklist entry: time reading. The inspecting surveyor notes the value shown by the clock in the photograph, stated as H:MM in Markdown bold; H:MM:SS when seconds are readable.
**7:37**
